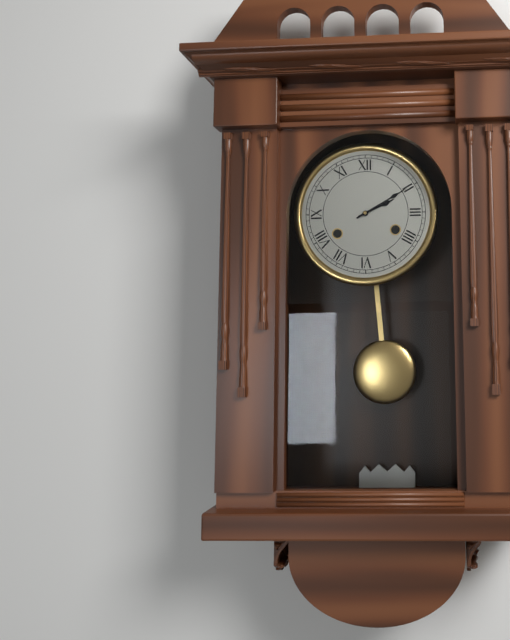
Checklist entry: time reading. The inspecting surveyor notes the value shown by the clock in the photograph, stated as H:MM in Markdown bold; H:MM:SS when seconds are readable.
**2:10**
